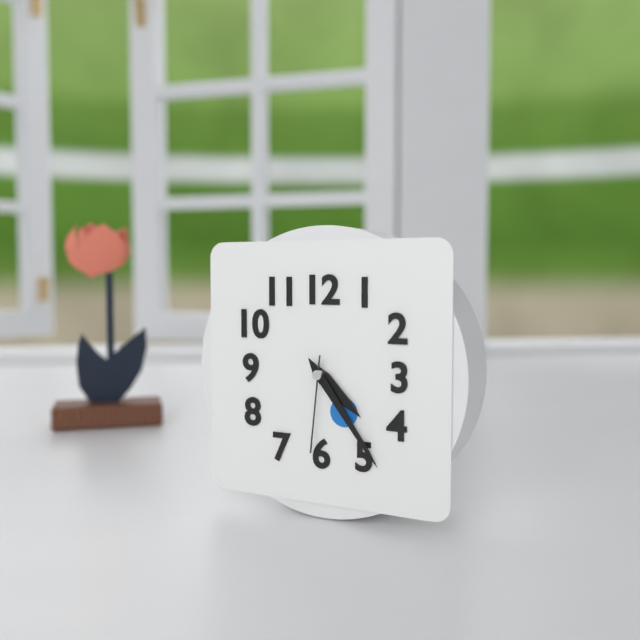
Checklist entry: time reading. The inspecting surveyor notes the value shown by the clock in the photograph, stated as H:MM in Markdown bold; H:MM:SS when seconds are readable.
**4:24:31**
